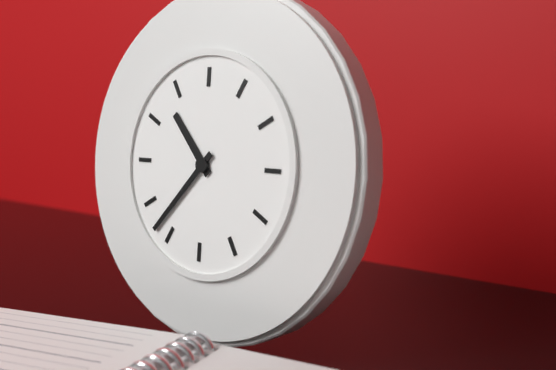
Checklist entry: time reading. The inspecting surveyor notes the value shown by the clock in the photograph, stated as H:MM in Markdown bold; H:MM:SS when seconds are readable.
**10:37**
